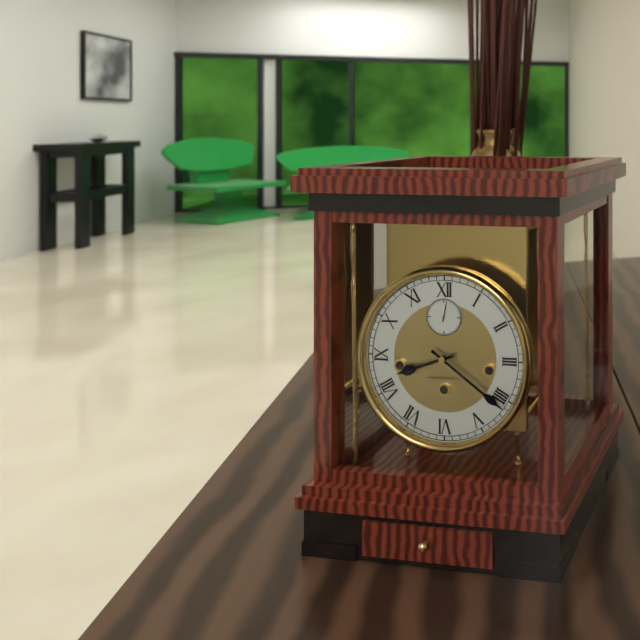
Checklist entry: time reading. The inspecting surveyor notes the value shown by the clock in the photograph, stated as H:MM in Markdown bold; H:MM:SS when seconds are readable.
**8:21**
